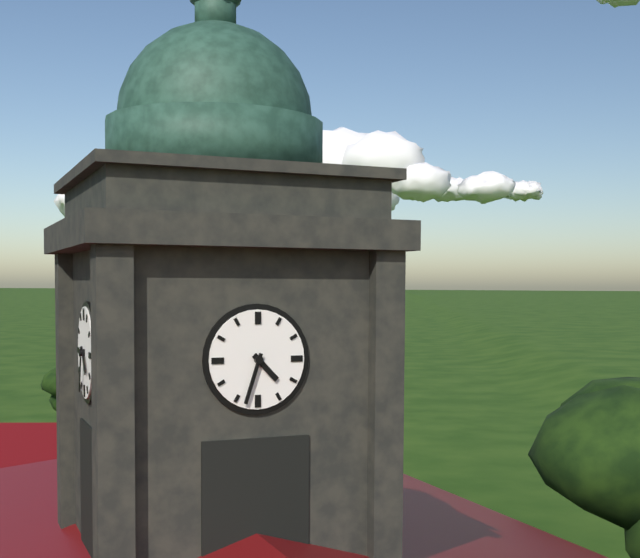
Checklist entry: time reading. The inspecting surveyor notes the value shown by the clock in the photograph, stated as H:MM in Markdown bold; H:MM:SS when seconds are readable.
**4:33**
